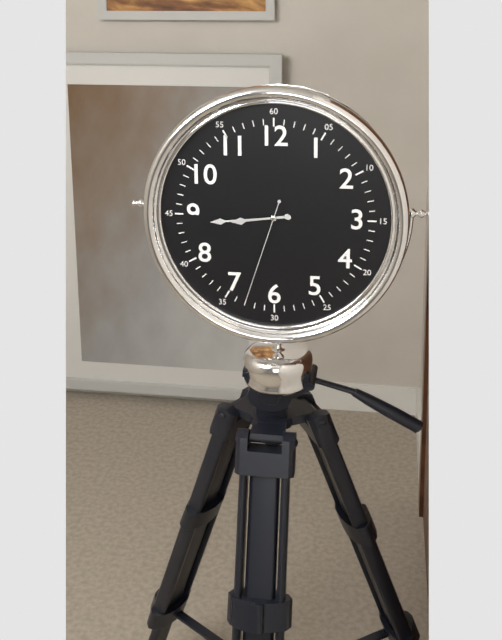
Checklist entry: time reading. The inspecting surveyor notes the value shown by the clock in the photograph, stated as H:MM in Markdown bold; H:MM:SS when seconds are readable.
**8:44:33**
